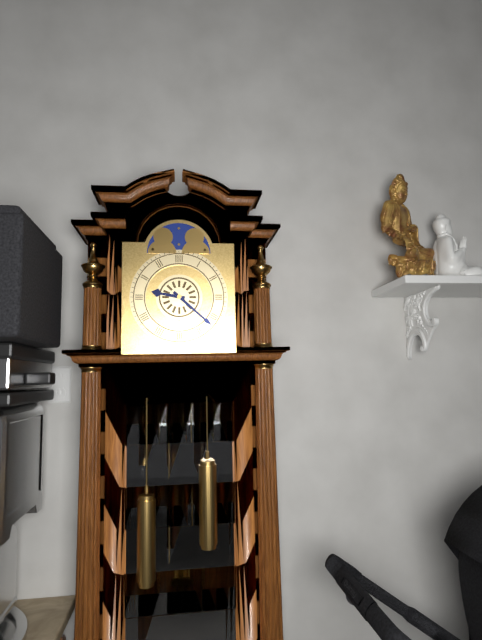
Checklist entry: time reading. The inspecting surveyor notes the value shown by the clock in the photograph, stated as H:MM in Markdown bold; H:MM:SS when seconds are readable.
**9:22**
